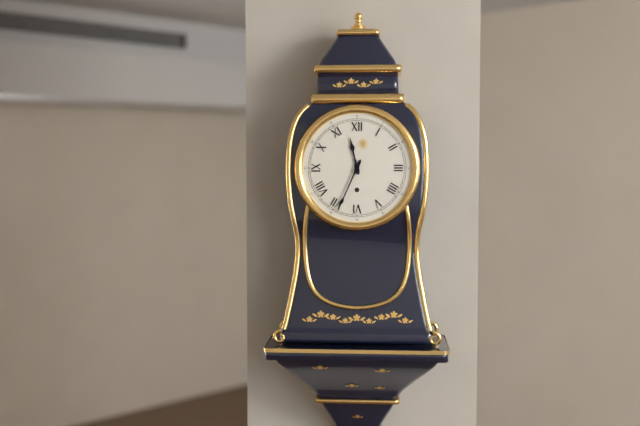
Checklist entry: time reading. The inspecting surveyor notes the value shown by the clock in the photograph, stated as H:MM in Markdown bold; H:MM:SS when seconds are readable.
**11:34**
